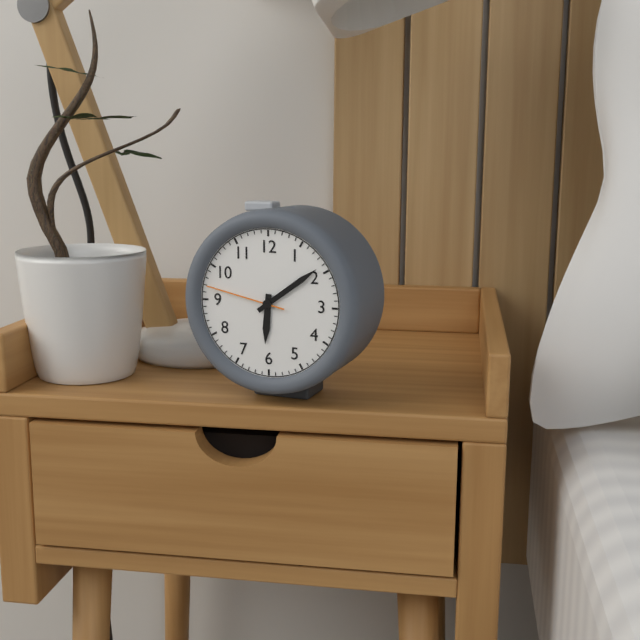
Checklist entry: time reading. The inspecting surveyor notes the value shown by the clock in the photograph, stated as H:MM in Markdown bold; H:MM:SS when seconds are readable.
**6:09:47**
